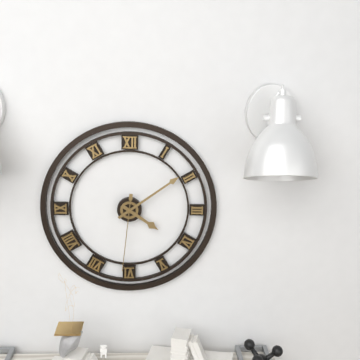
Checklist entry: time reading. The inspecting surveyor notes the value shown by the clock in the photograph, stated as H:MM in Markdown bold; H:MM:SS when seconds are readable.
**4:09:31**
